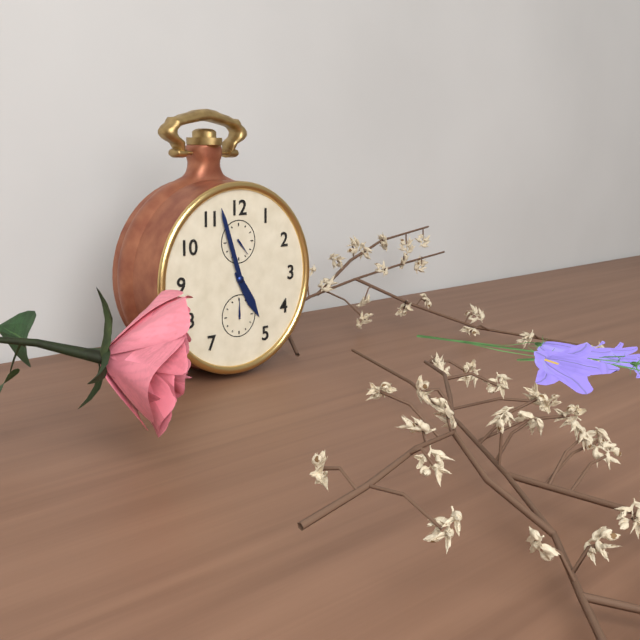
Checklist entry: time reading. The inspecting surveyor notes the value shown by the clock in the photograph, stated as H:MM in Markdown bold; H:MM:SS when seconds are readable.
**4:57**
